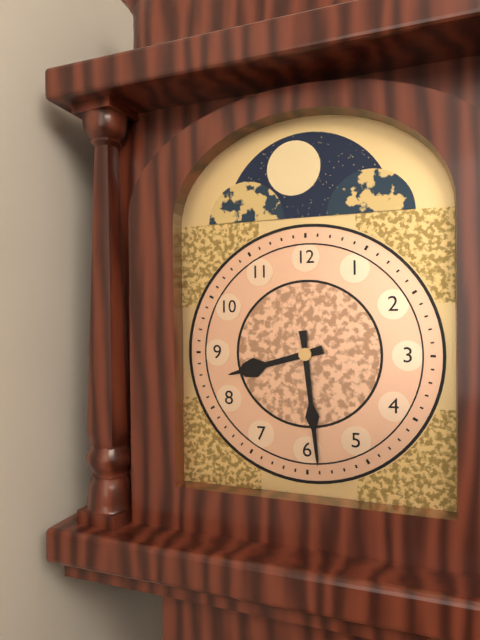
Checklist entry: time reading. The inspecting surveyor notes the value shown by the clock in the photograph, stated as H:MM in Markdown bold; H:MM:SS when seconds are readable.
**8:29**
